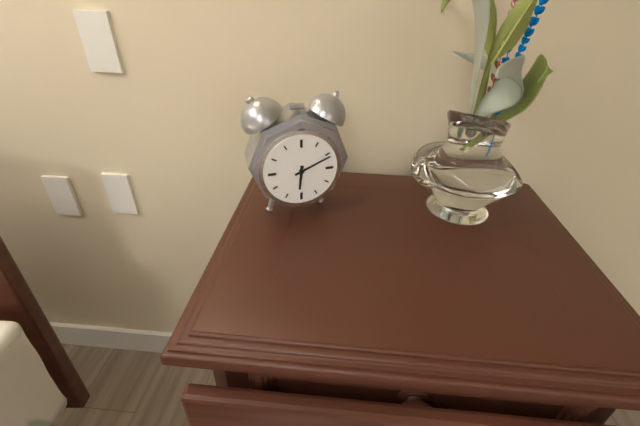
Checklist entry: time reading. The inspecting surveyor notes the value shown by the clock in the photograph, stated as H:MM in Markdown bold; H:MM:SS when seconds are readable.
**6:11**
